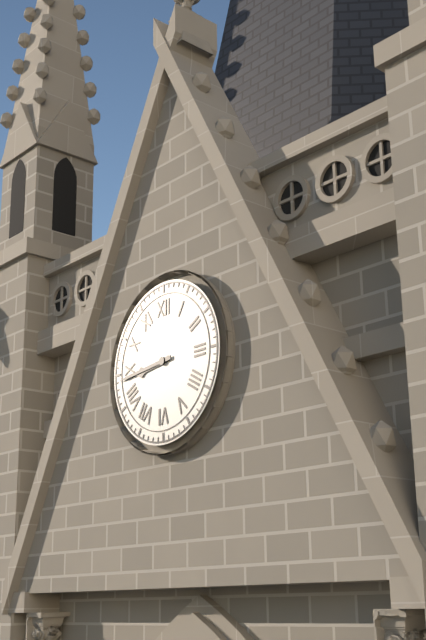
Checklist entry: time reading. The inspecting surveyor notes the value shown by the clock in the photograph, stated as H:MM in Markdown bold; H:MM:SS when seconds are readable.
**8:44**
